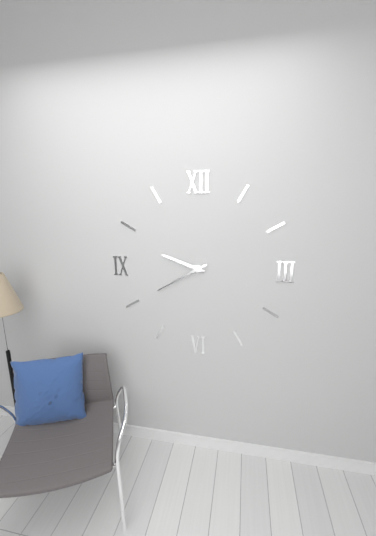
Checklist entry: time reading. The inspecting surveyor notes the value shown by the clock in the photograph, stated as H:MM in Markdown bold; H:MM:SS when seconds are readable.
**9:40**
